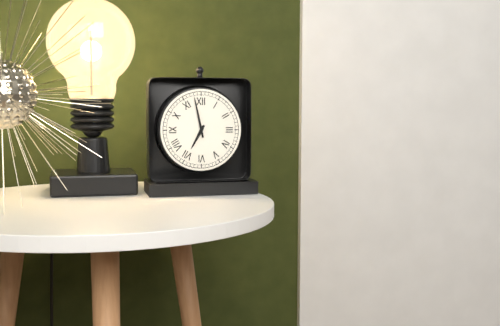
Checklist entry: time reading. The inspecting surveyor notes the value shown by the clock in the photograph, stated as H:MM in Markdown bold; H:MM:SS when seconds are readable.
**6:58**
